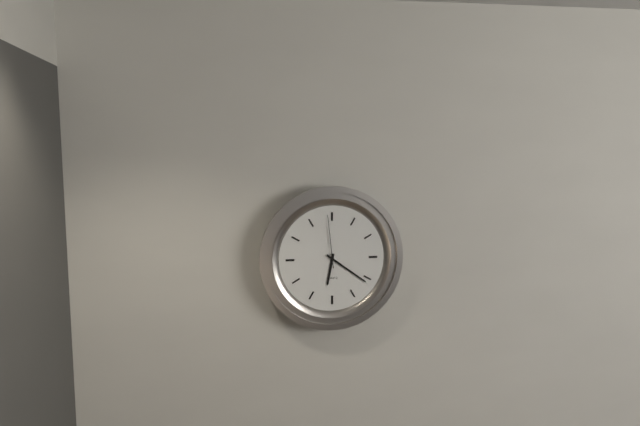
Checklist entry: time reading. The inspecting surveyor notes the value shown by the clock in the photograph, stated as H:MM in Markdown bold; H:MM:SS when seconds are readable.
**6:21:59**
